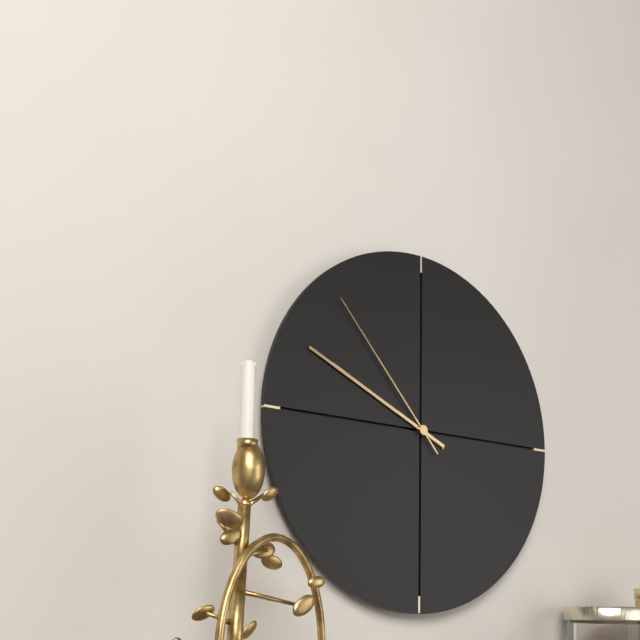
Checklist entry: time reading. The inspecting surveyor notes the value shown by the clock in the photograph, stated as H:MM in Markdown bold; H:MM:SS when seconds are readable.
**9:49:53**
